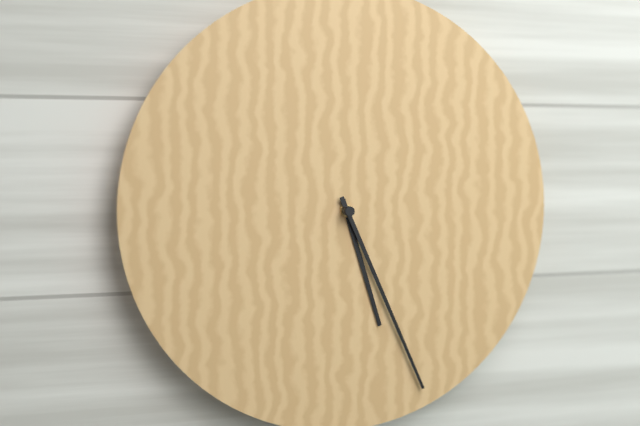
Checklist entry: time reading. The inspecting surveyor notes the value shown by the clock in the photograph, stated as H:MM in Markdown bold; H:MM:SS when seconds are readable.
**5:26**
